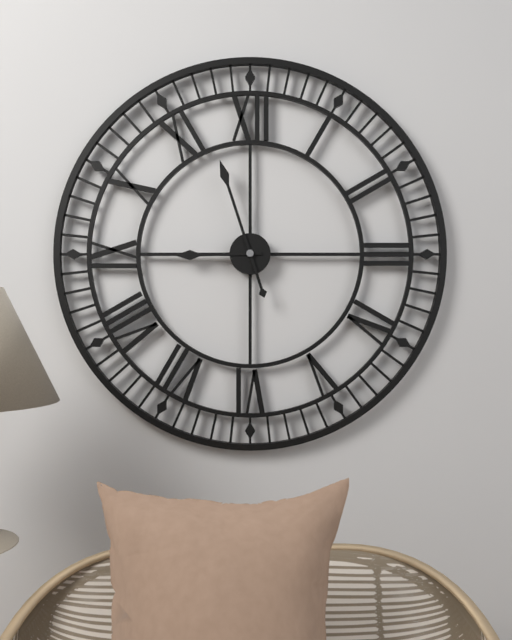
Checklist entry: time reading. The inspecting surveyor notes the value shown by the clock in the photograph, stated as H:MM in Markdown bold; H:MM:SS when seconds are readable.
**8:57**
